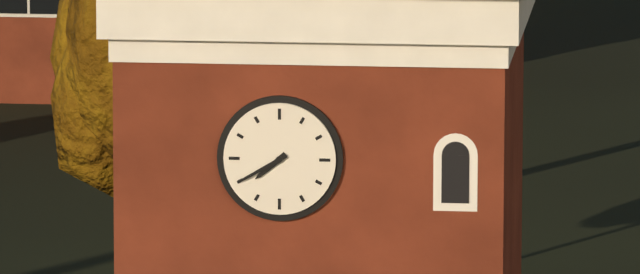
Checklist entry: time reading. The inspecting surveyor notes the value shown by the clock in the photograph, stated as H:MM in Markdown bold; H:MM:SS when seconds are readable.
**7:40**
